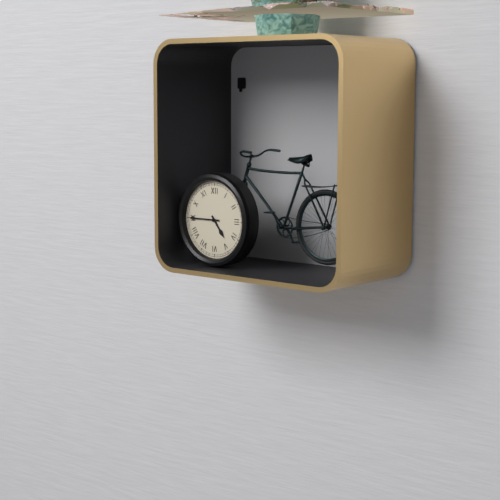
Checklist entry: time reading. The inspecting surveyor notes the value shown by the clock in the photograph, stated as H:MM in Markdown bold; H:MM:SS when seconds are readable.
**4:45**
